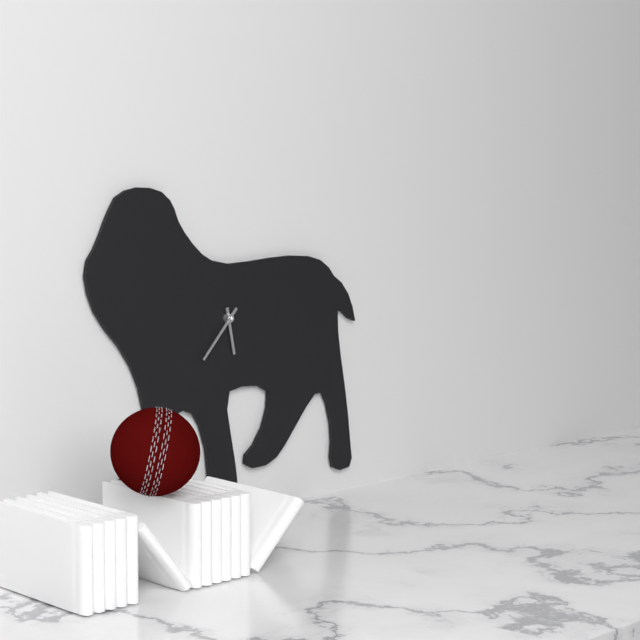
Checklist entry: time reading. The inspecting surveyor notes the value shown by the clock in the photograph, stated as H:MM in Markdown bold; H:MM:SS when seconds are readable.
**5:37**
